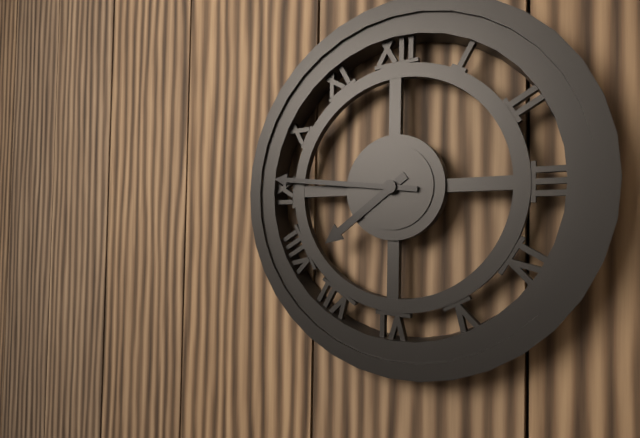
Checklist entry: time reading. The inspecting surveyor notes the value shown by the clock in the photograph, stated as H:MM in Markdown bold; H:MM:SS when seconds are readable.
**7:46**
